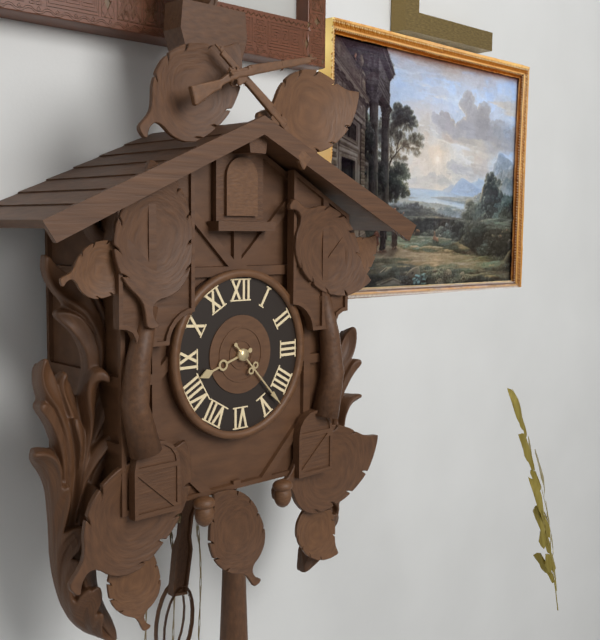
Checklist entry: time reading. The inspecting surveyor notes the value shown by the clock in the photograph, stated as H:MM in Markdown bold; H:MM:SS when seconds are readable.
**8:23**
